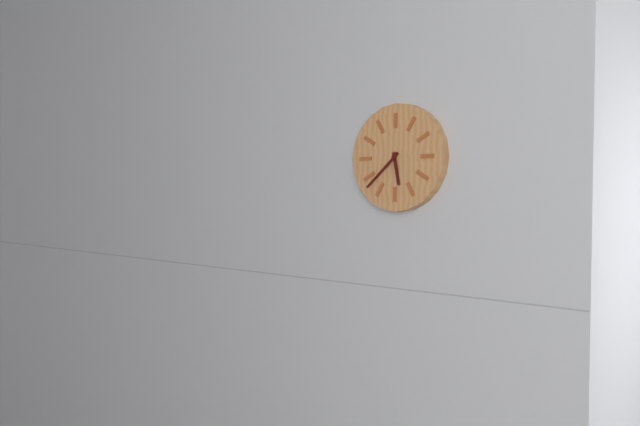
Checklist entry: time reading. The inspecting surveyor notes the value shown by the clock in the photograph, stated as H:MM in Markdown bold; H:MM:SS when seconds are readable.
**5:38**
